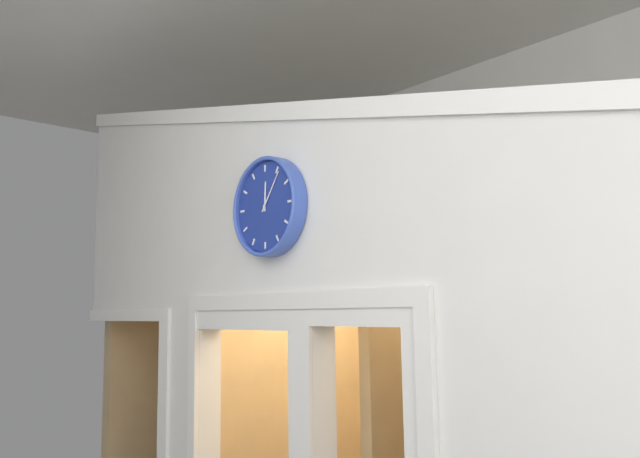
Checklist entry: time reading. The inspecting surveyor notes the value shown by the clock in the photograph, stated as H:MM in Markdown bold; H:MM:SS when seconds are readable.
**12:06**
